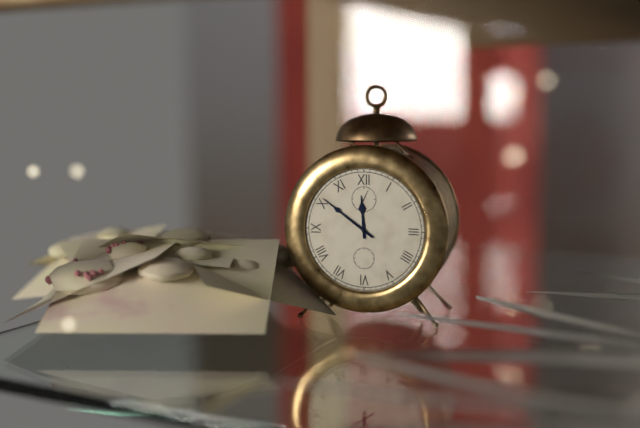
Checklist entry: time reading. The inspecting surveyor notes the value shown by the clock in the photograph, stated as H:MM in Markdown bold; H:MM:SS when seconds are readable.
**11:51**
